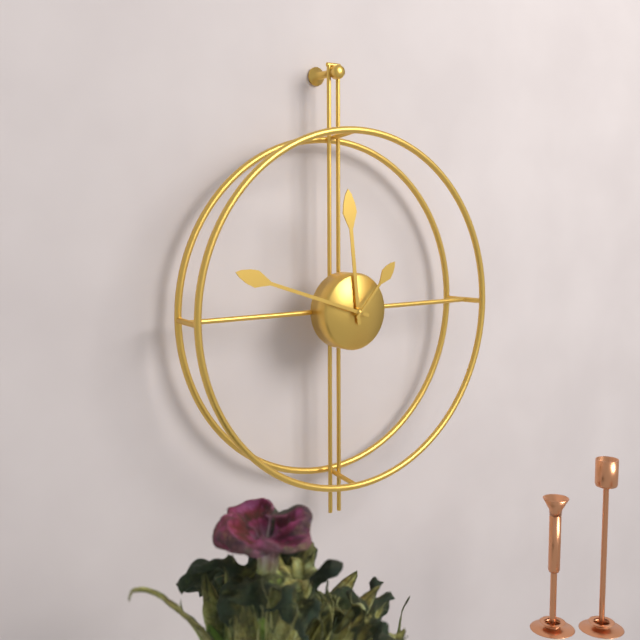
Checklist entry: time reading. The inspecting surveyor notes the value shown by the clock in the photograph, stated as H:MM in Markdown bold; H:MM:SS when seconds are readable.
**11:48:07**
